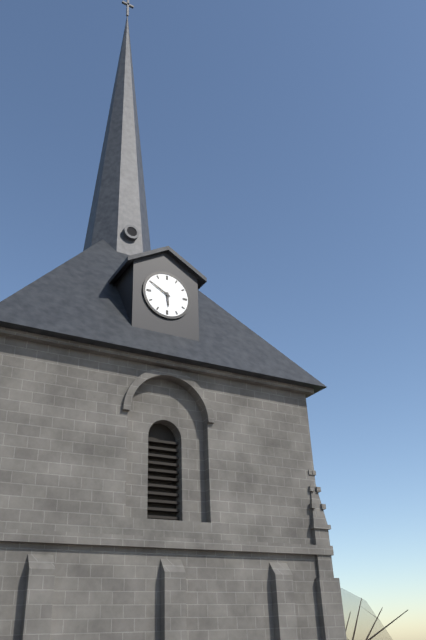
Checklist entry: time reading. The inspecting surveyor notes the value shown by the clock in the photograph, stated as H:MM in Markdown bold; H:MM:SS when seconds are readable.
**5:50**
